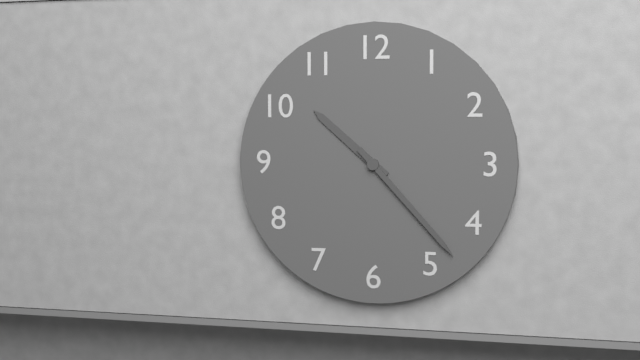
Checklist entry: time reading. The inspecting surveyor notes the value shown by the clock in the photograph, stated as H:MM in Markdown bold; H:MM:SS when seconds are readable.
**10:23**
